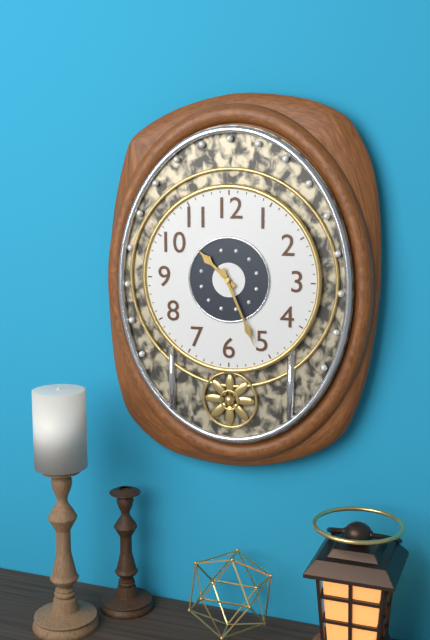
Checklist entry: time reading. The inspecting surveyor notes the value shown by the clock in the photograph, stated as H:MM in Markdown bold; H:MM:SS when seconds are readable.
**10:26**
